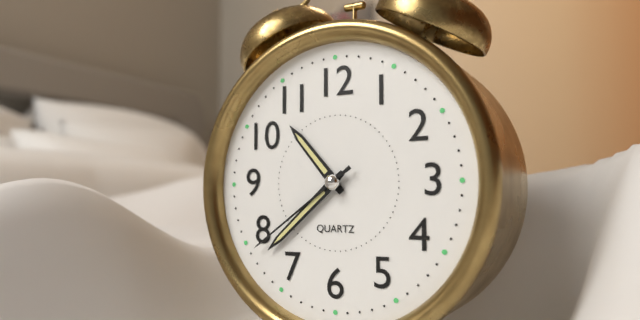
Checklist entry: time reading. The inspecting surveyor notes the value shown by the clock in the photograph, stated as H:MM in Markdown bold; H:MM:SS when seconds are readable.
**10:38:39**
